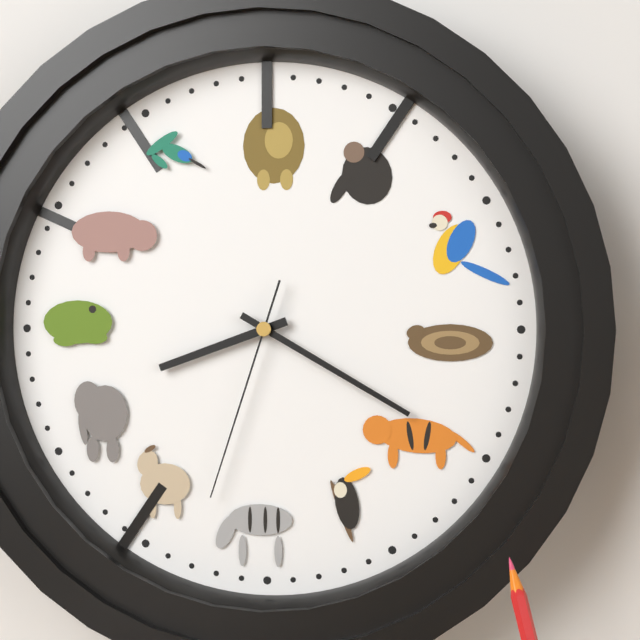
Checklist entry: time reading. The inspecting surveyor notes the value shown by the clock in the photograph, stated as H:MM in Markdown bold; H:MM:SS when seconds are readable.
**8:20:33**
